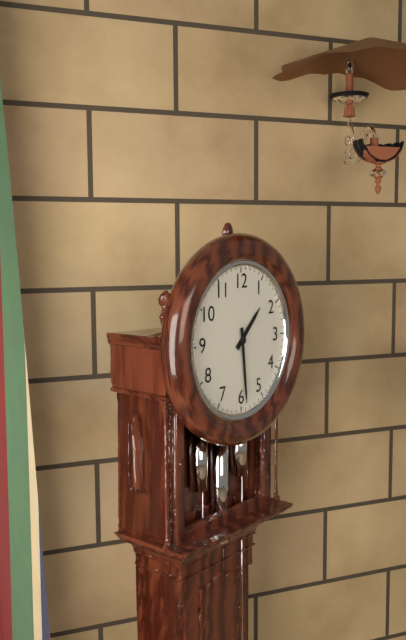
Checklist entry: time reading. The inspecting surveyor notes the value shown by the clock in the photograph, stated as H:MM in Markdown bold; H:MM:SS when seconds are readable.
**1:29**
